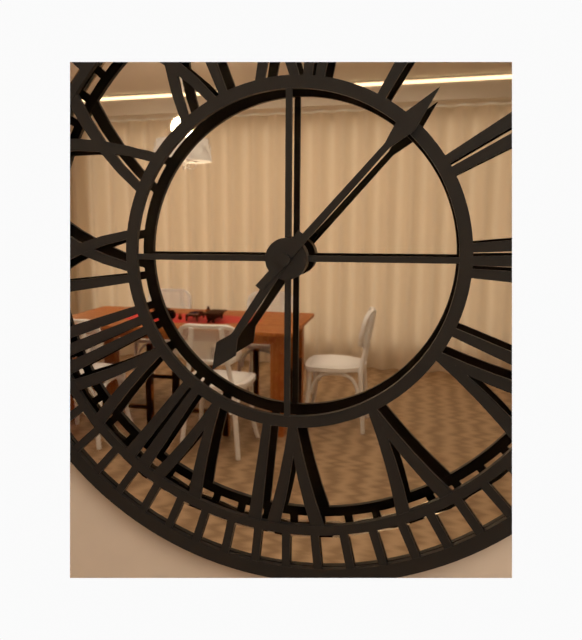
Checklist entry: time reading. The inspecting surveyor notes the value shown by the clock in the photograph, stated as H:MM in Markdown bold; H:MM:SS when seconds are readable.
**7:07**
